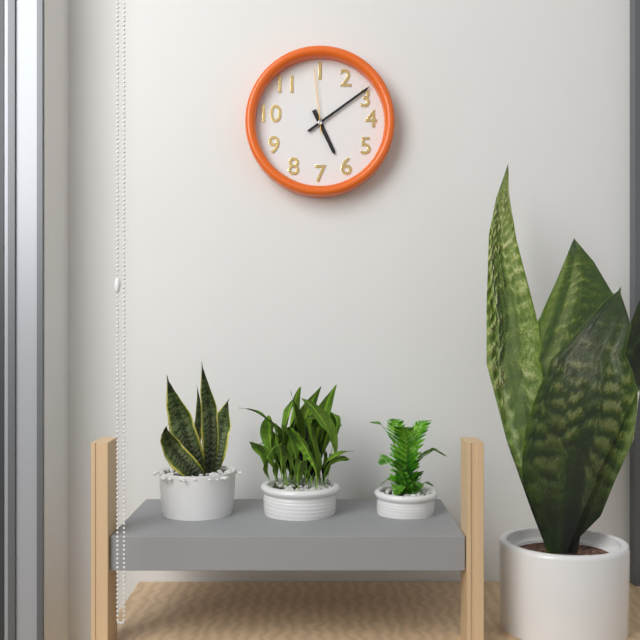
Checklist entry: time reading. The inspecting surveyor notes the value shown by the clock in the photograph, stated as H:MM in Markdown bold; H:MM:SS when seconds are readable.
**5:09:59**
